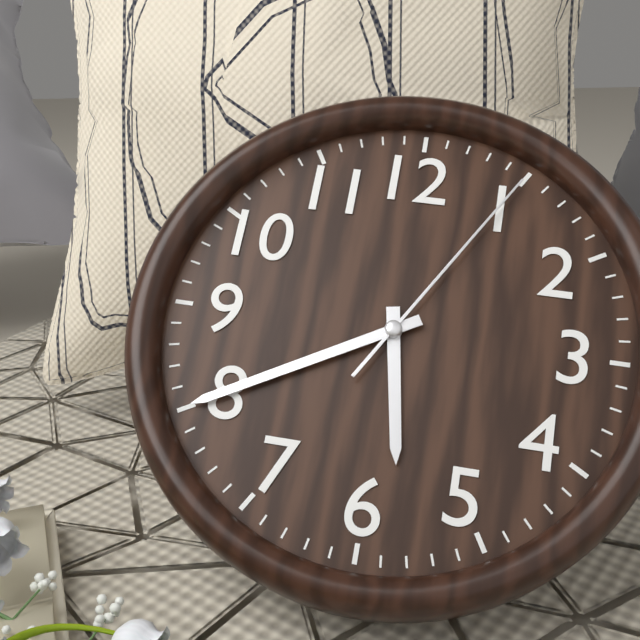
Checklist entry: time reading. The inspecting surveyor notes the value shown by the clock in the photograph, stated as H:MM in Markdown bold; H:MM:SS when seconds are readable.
**5:40:05**
